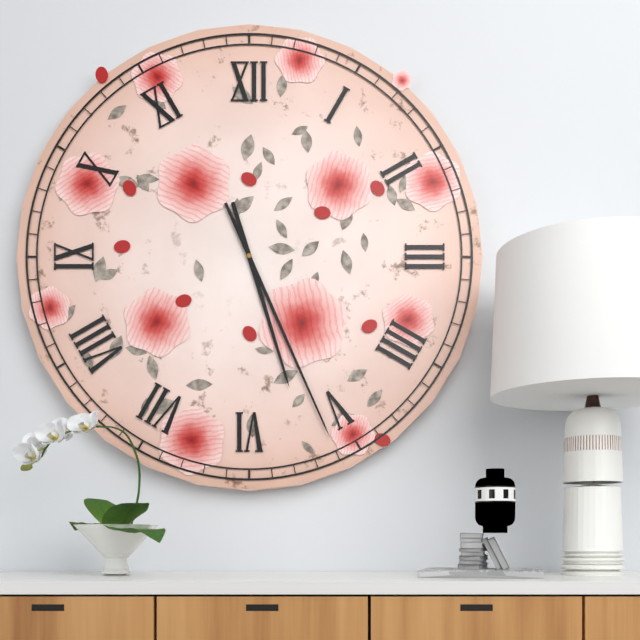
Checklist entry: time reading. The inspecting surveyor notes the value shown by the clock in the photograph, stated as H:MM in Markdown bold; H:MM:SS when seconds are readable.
**5:26**
